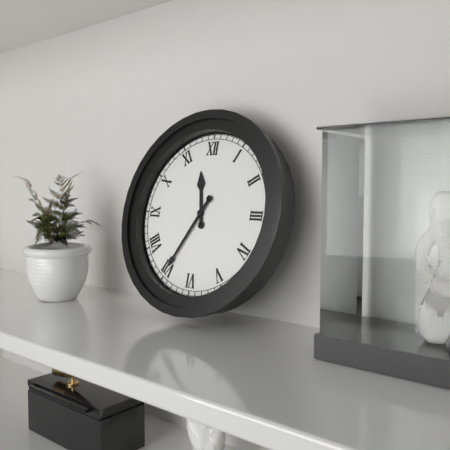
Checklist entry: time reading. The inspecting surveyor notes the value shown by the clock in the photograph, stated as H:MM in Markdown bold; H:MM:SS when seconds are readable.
**11:35**
